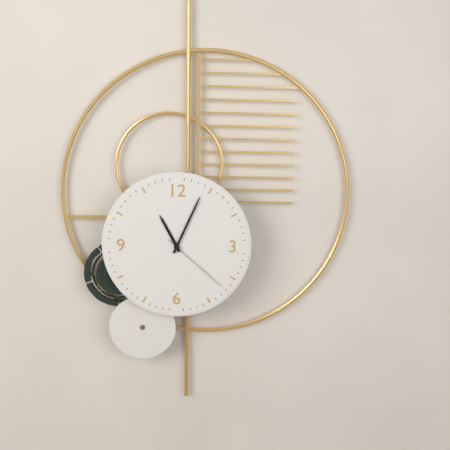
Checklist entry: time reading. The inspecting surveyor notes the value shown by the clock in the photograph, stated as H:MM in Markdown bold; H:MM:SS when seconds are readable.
**11:04:22**
